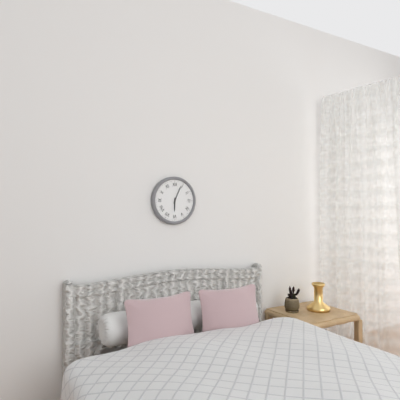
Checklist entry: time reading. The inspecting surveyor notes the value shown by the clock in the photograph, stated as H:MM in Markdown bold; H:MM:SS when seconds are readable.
**6:04**
